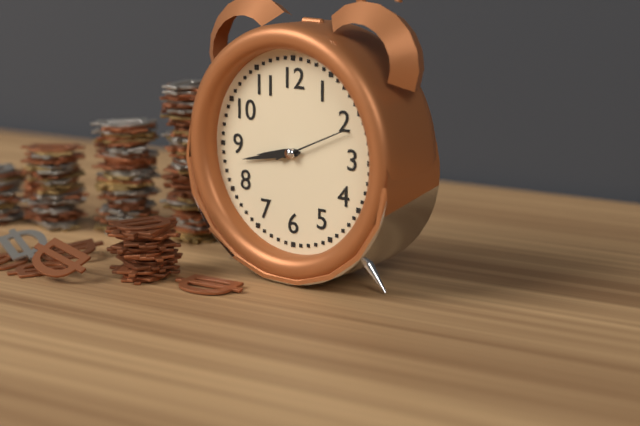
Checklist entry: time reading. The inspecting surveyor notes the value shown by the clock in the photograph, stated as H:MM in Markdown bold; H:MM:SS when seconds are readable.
**8:43:11**
